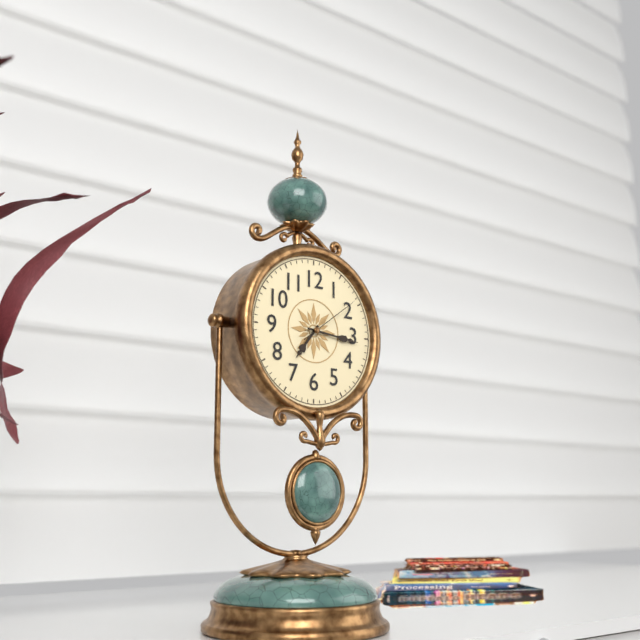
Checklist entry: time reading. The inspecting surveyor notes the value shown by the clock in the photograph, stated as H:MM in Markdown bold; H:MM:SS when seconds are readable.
**7:16:09**
